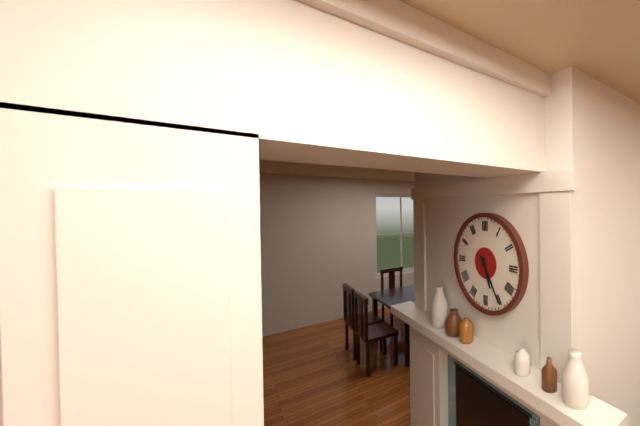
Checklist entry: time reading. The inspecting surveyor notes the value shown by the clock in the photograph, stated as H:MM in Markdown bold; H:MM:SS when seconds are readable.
**5:25**
